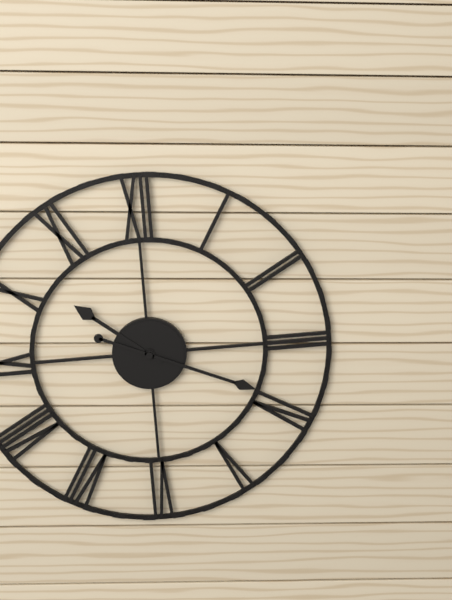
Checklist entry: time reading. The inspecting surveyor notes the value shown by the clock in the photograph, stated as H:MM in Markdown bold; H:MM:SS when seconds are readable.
**10:19**
